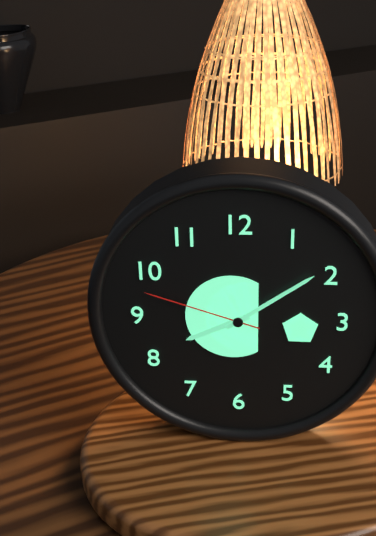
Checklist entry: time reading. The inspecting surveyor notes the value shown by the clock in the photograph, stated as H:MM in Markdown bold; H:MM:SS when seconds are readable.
**8:09:48**
